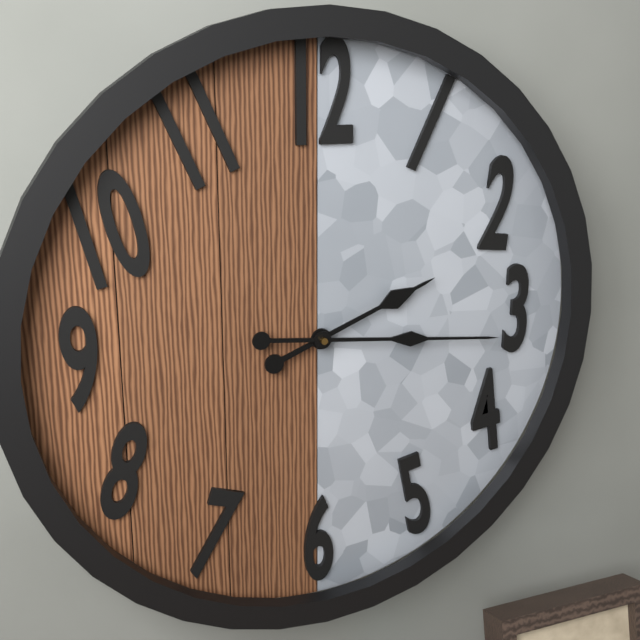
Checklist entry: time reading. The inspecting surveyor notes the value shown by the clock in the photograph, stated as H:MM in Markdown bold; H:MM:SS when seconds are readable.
**2:16**
